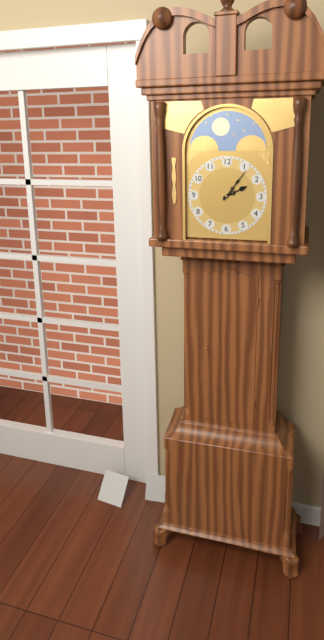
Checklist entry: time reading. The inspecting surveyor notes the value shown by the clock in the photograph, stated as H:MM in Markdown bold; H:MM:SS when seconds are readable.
**2:06**
